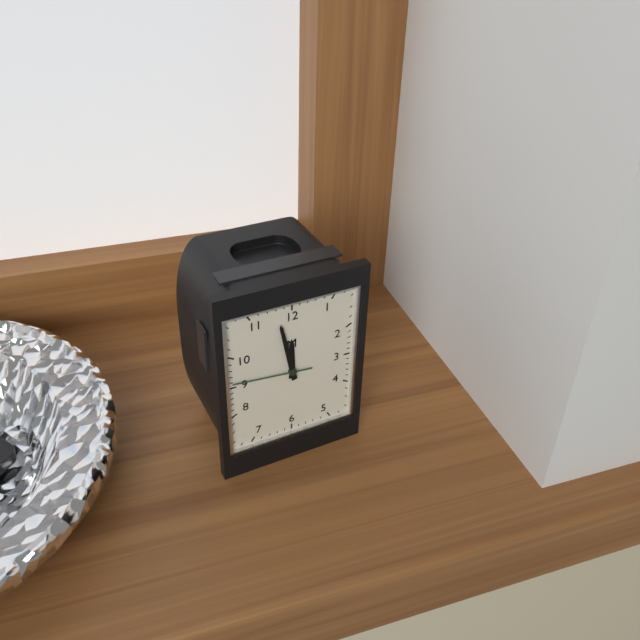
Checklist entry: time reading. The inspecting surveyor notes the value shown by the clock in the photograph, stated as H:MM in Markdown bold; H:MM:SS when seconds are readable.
**11:58:46**
